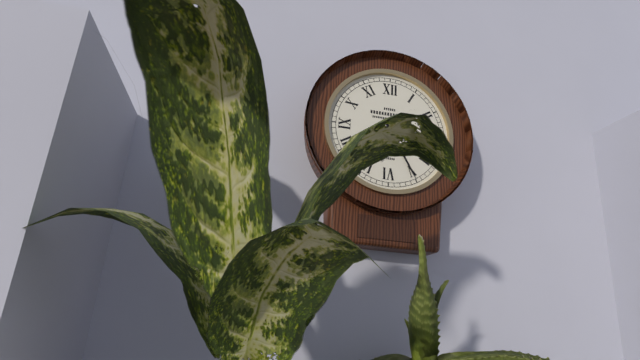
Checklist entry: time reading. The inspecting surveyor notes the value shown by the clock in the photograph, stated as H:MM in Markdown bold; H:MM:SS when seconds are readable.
**6:25**
